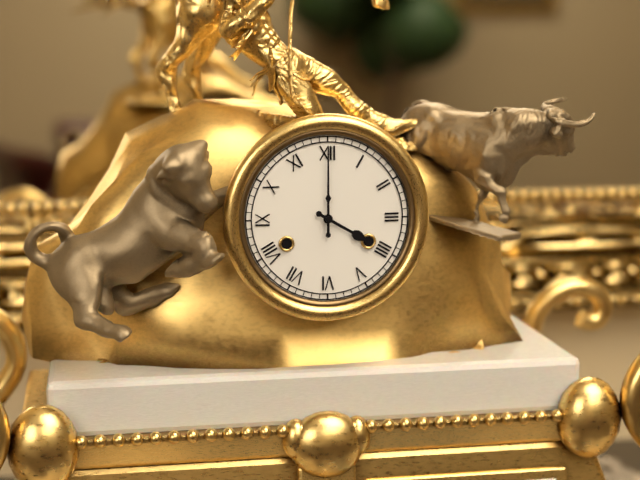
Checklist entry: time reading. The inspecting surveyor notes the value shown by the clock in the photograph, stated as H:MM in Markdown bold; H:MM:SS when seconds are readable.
**4:00**
